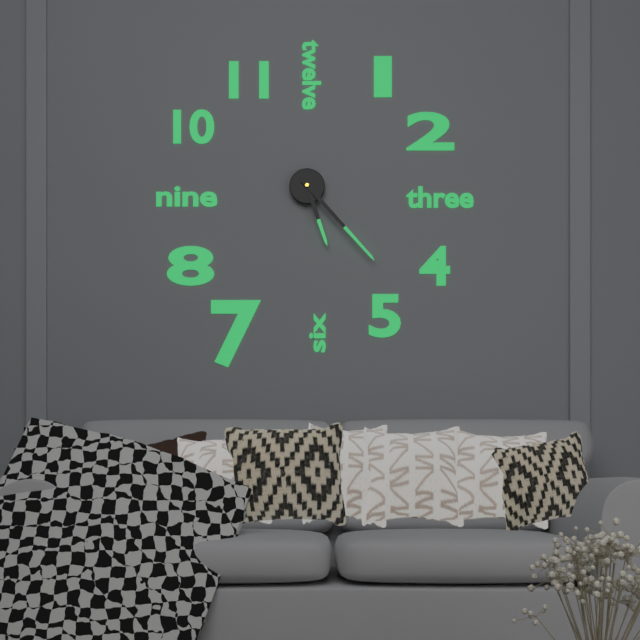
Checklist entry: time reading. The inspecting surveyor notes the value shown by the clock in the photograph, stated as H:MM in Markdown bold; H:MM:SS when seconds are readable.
**5:23**
